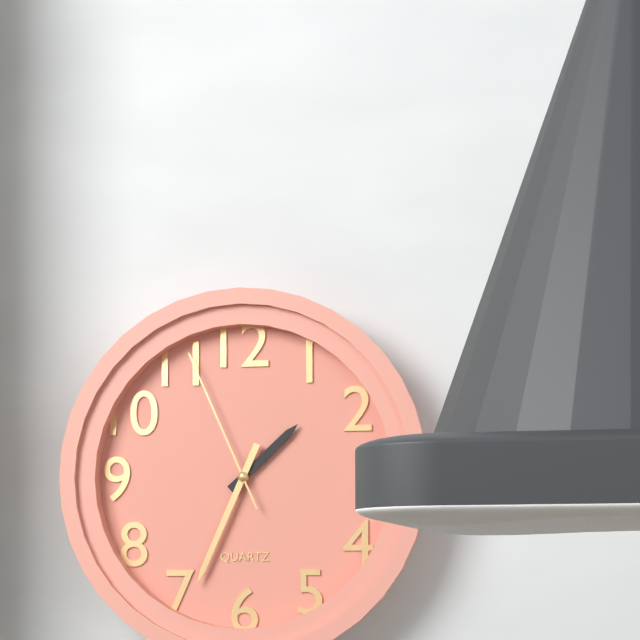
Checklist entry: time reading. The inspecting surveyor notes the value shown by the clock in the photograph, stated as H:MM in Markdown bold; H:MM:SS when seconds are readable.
**1:34:56**
